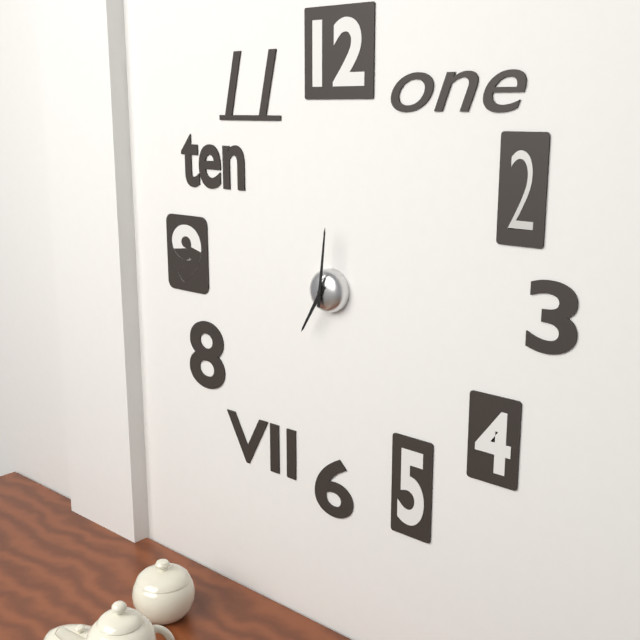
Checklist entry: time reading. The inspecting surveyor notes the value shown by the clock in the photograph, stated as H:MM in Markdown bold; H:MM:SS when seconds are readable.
**7:01**
